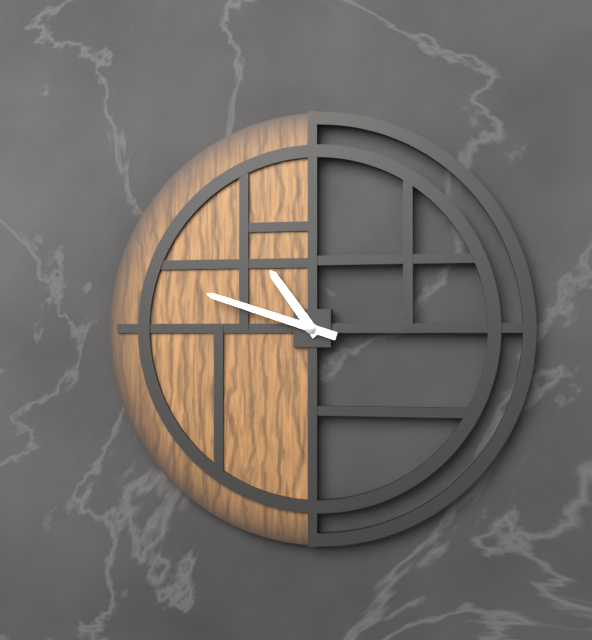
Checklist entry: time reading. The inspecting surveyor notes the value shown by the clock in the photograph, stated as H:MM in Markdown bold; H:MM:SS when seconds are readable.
**10:48**
